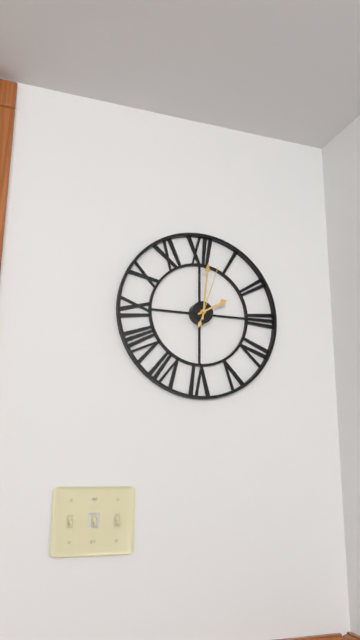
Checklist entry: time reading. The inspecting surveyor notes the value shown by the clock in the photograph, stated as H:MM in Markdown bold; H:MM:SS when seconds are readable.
**2:01:03**
